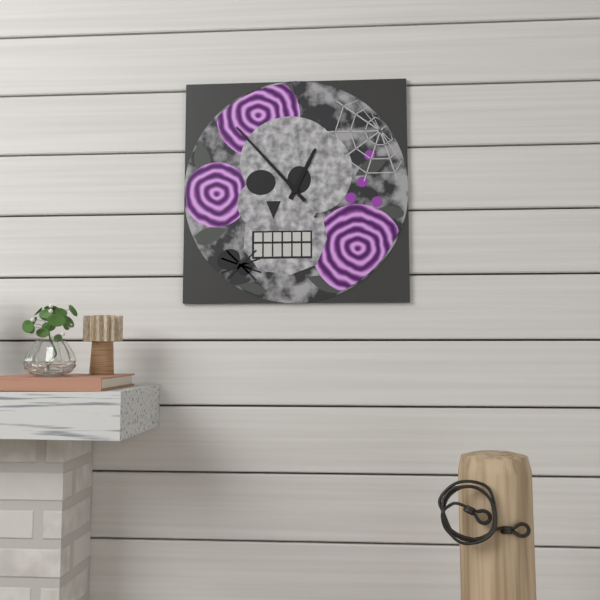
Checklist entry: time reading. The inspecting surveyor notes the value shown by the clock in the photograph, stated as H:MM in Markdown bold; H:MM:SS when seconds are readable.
**12:53**
